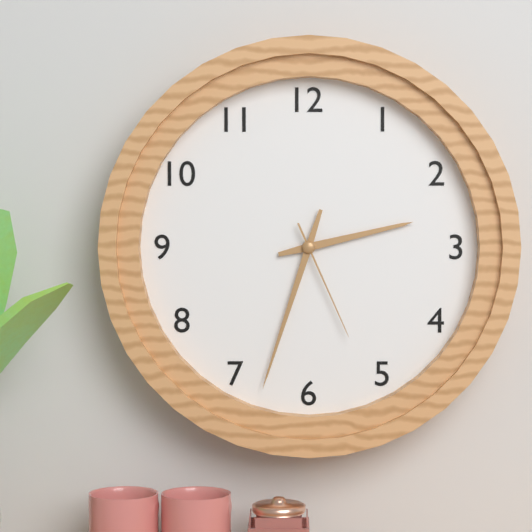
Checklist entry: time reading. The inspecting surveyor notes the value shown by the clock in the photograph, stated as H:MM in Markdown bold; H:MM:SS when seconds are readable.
**2:33:26**
